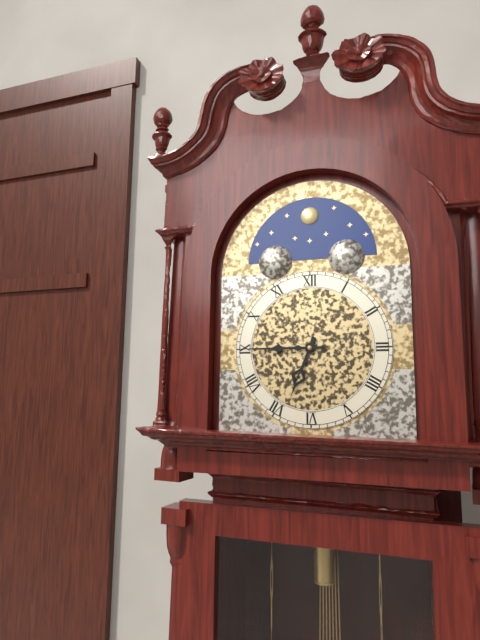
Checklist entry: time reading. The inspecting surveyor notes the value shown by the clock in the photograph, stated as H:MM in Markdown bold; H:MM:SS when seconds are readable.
**6:45**
